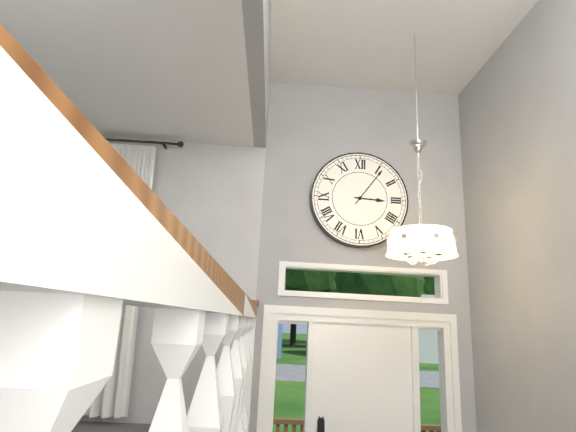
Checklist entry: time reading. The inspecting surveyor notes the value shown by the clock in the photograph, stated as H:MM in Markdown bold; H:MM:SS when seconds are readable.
**3:06**
